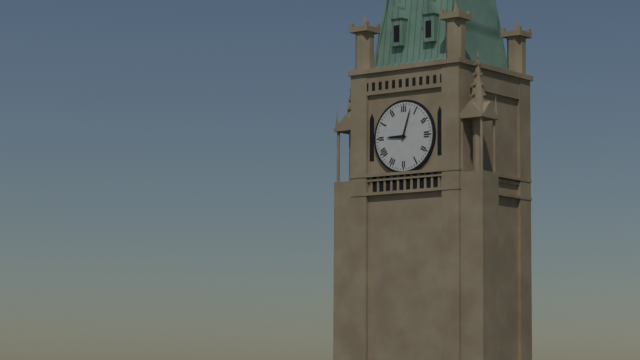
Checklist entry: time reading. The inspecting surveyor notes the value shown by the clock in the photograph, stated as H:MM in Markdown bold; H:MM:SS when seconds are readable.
**9:03**
